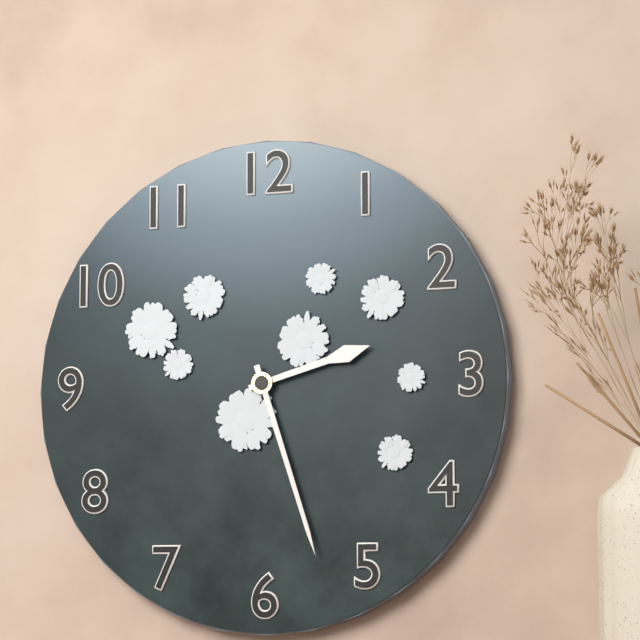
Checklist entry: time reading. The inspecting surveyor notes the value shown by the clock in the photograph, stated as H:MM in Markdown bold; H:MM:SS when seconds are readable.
**2:27**
